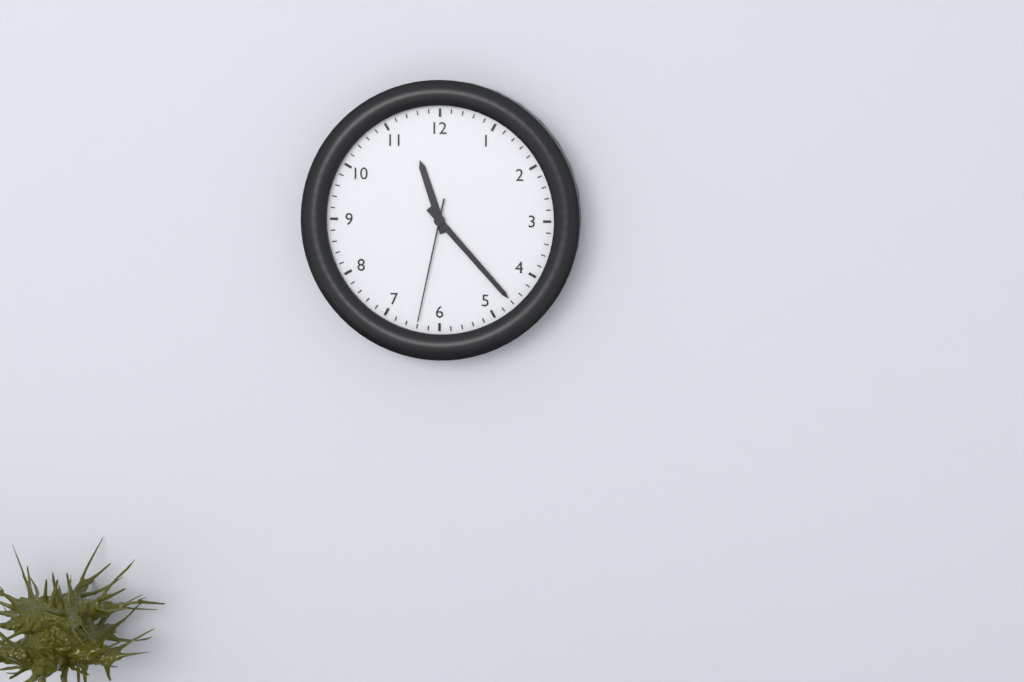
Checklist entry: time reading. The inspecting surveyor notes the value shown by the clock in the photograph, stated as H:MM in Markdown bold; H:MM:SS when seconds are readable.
**11:23:32**
